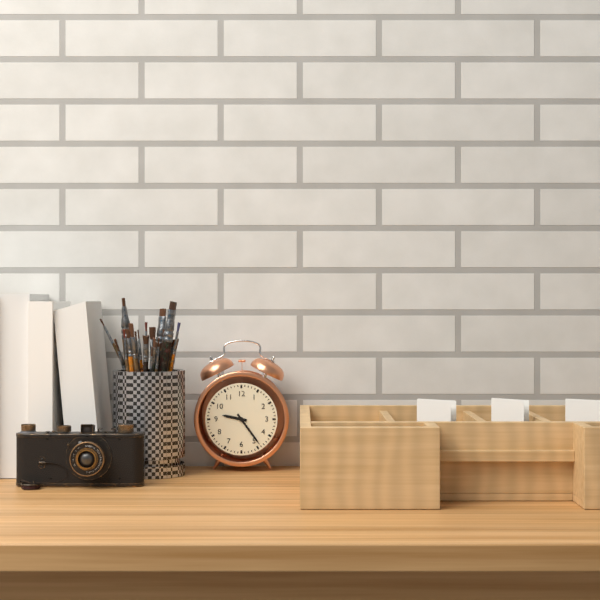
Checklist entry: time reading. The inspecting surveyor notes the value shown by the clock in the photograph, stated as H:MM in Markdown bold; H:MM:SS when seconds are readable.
**9:24**
